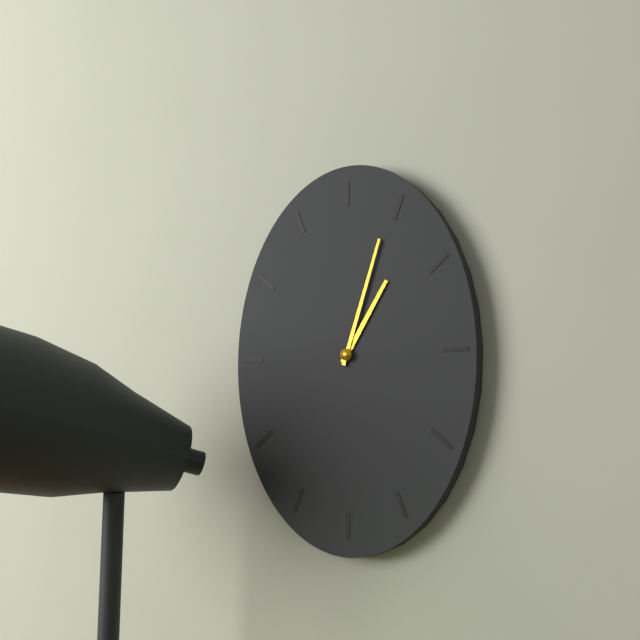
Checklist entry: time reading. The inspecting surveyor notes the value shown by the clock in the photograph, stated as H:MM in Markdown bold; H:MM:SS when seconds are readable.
**1:03**
